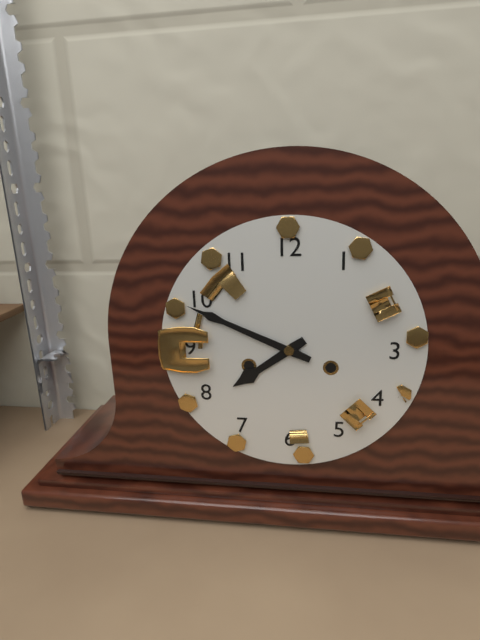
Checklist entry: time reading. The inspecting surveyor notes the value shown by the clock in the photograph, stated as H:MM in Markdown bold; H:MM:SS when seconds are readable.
**7:49**
